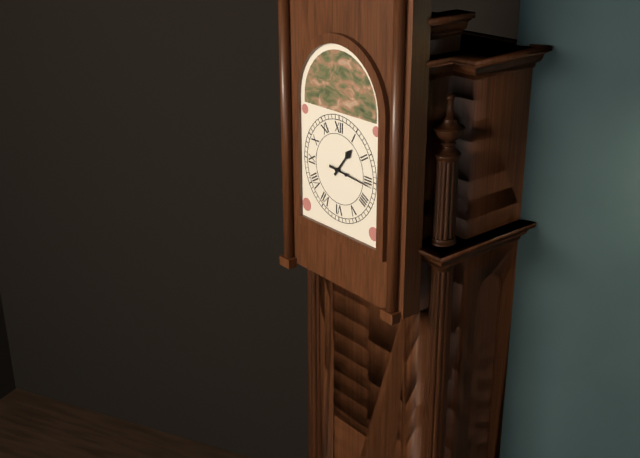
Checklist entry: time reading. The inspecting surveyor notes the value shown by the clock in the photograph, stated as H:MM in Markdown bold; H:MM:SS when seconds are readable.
**1:16**
